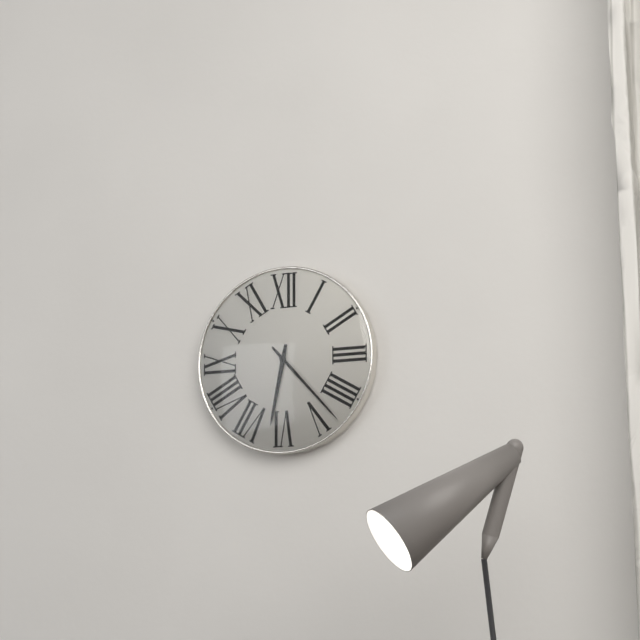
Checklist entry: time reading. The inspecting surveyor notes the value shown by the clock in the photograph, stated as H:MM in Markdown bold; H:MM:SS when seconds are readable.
**6:23**
